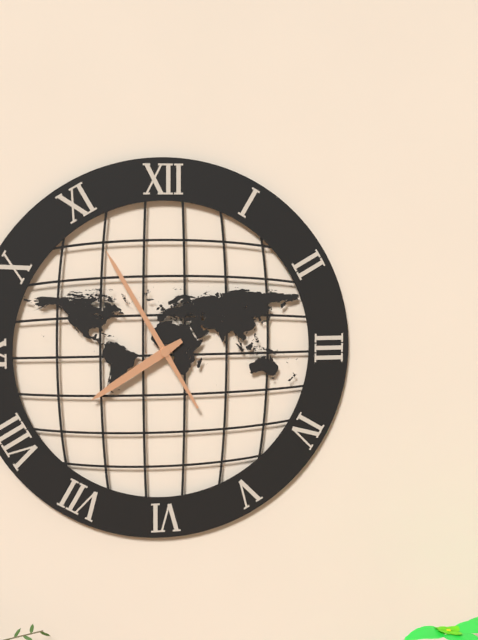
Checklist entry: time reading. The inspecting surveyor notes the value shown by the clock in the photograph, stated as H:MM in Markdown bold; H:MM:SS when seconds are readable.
**7:55**
